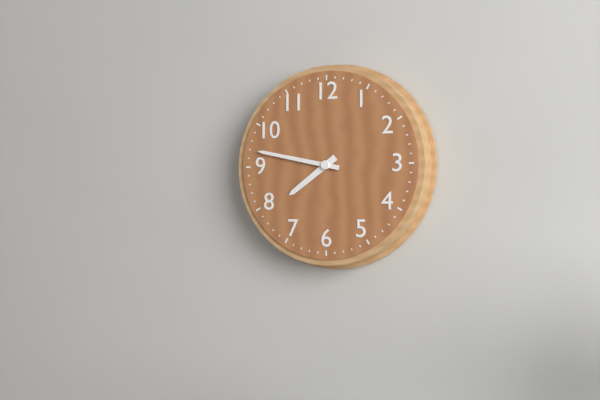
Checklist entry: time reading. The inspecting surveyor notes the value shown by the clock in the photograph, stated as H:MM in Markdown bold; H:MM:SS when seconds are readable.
**7:47**
